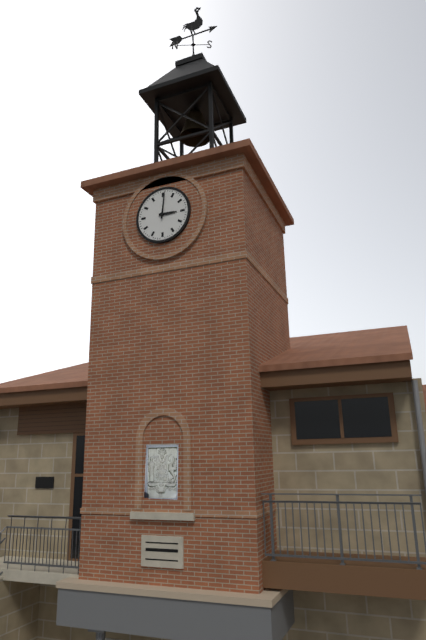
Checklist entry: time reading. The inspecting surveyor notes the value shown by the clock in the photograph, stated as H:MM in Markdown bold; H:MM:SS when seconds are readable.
**3:01**
